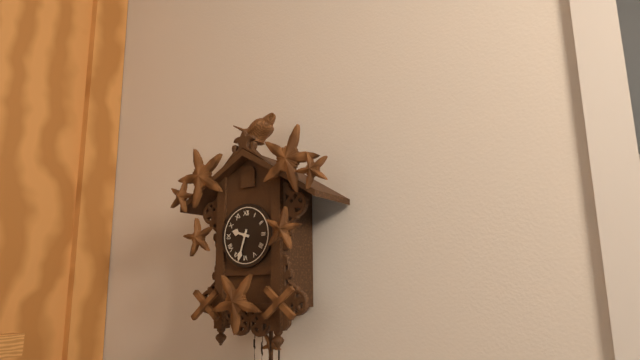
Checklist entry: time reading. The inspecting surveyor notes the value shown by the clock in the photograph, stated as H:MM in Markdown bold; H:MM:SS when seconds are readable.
**9:33**
